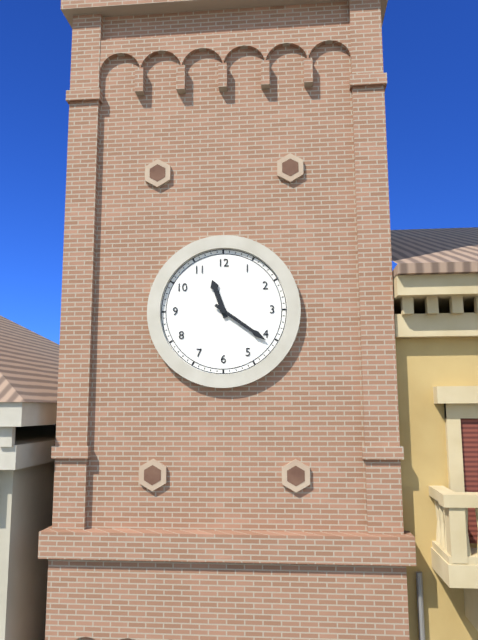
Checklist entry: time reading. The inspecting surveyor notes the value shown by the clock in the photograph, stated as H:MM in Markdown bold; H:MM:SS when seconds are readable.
**11:21**
